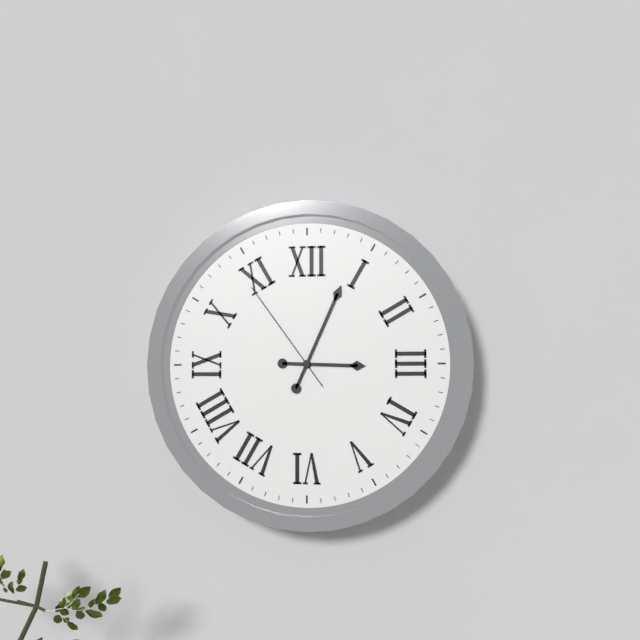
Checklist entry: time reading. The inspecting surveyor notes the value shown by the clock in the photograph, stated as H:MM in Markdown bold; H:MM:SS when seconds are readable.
**3:04:54**
